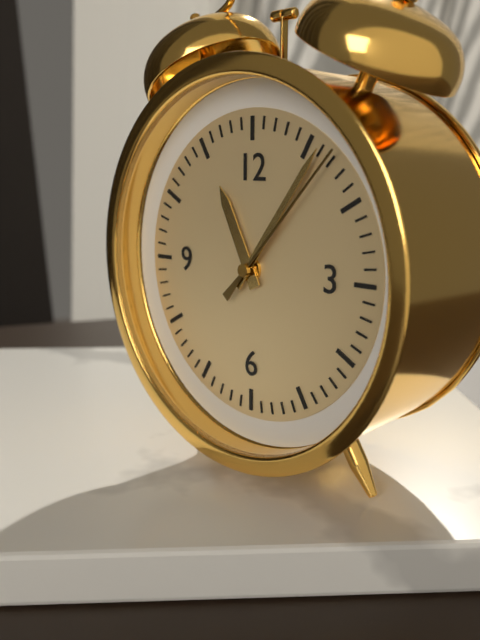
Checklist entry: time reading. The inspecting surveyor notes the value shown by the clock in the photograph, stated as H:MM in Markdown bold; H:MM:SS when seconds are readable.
**11:06:07**
